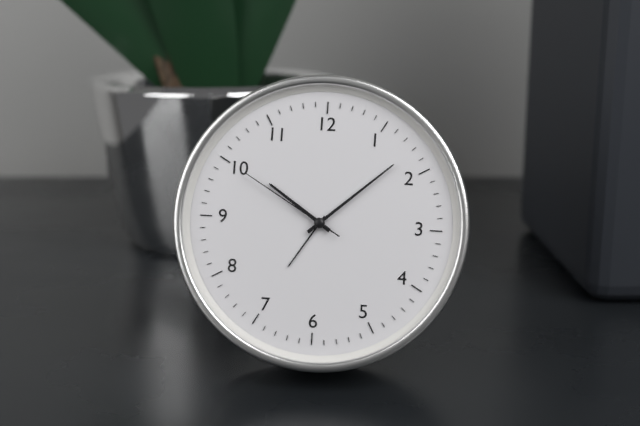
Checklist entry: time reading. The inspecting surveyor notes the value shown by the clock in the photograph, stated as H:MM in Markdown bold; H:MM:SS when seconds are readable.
**10:08:50**
